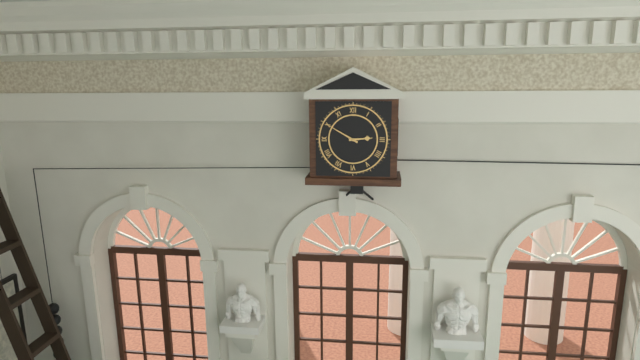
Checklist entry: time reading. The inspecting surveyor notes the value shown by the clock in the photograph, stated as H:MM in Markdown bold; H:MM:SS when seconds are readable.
**2:50**
